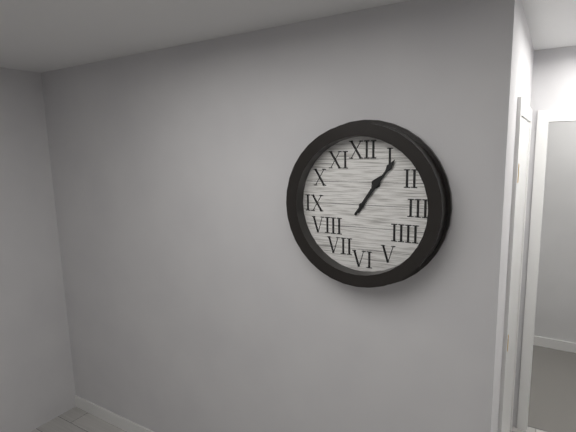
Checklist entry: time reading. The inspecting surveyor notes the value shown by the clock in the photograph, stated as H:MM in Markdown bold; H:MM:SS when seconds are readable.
**1:06**
